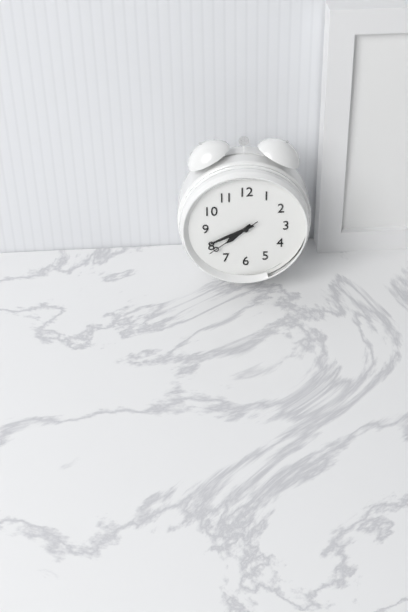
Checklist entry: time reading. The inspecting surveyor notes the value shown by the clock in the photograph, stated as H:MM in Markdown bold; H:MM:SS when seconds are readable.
**7:41:39**
